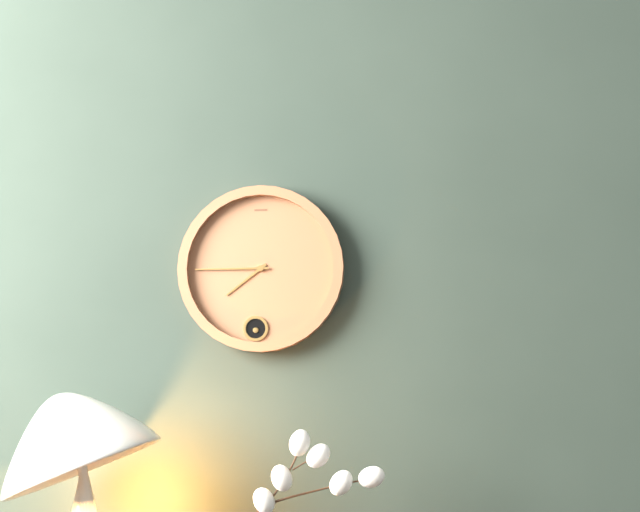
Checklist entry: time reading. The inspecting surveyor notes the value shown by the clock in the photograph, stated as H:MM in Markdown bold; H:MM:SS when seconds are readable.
**7:45**
